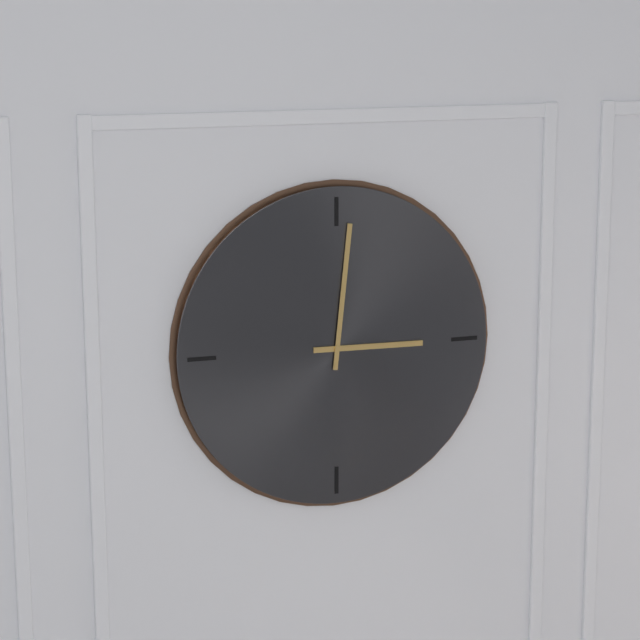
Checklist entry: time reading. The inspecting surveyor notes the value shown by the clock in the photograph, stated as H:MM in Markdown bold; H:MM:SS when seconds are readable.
**3:01**
